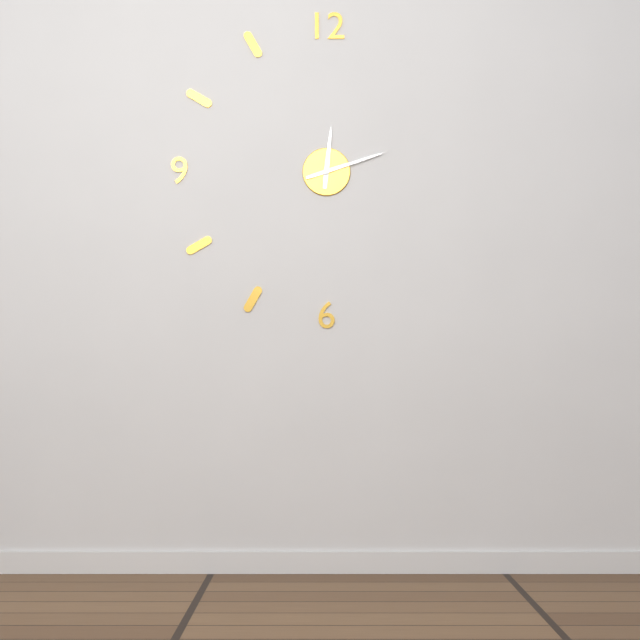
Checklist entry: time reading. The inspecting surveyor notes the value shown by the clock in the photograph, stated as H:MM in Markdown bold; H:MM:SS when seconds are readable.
**12:12**
